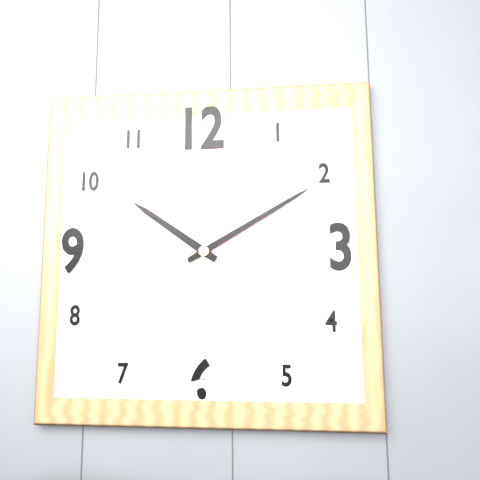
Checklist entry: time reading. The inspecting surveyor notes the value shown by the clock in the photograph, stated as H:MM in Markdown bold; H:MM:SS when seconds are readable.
**10:10**
